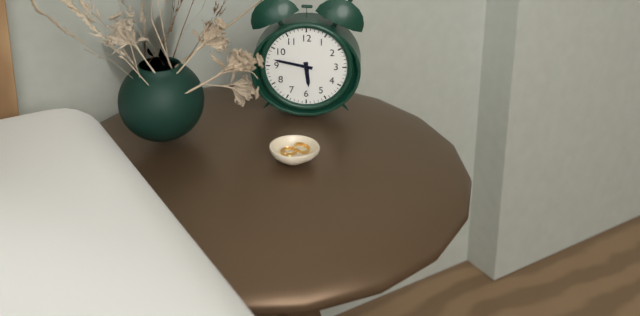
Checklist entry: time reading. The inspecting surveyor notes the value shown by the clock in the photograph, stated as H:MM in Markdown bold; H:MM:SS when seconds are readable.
**5:47**
